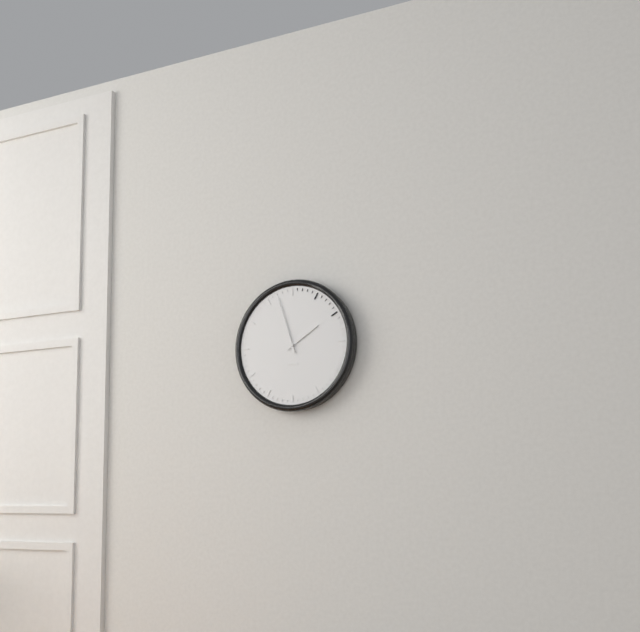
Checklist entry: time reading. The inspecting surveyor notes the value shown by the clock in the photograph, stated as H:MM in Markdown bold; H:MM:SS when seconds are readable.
**1:57**
